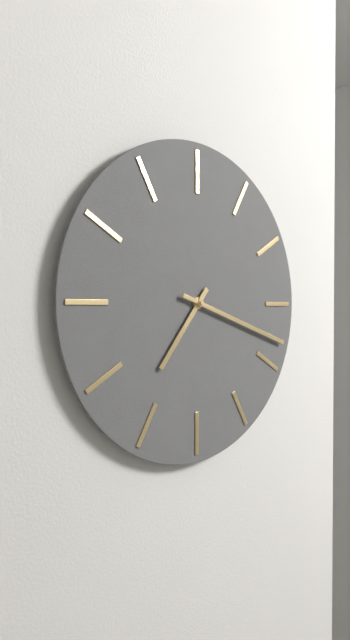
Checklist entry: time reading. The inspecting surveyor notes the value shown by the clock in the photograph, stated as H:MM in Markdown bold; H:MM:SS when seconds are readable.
**7:18**
